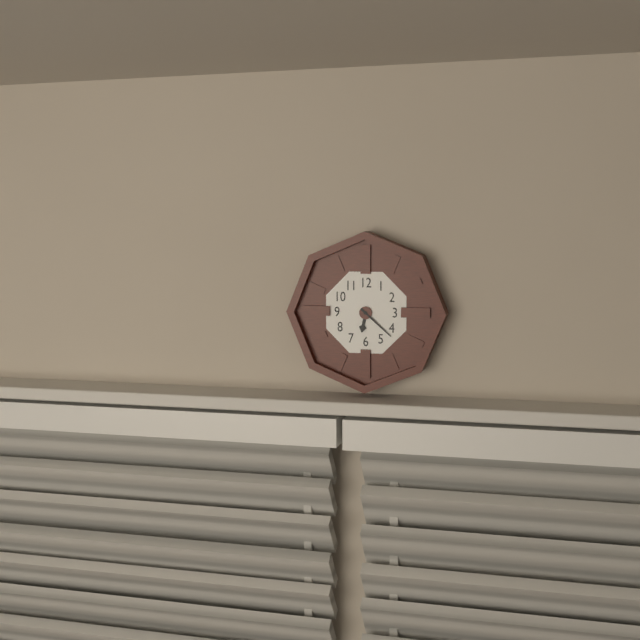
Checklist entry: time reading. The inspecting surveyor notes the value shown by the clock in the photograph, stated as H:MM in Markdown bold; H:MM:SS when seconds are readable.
**6:22**
